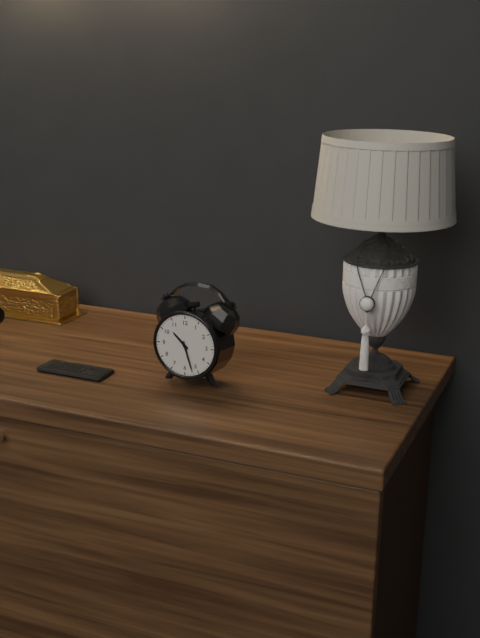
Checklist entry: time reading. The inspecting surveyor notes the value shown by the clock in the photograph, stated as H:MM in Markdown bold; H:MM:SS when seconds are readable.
**10:27**
